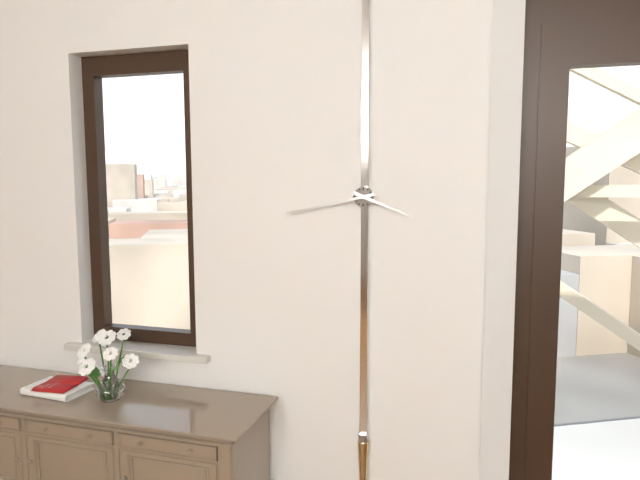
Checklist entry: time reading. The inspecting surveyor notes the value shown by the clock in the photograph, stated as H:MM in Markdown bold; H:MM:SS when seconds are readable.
**3:43**
